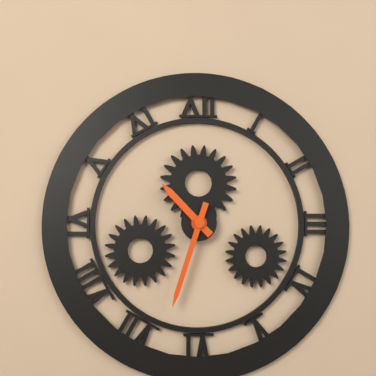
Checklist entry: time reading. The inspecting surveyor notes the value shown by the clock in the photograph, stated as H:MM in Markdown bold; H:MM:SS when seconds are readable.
**10:33**
